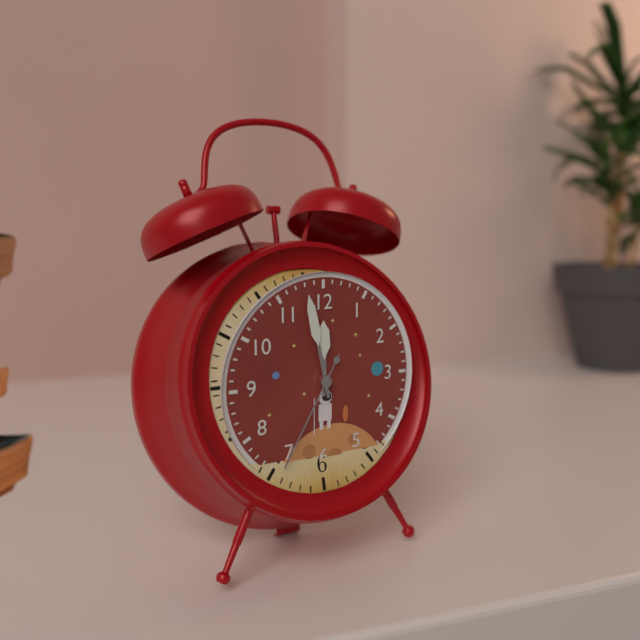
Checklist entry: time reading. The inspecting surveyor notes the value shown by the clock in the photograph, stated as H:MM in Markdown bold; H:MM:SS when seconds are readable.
**11:58:35**
